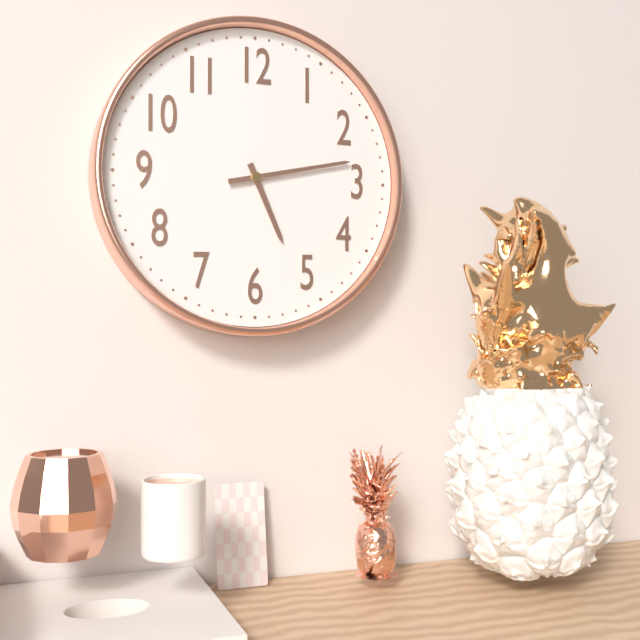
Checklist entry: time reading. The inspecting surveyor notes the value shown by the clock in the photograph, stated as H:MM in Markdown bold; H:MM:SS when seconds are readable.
**5:13**
